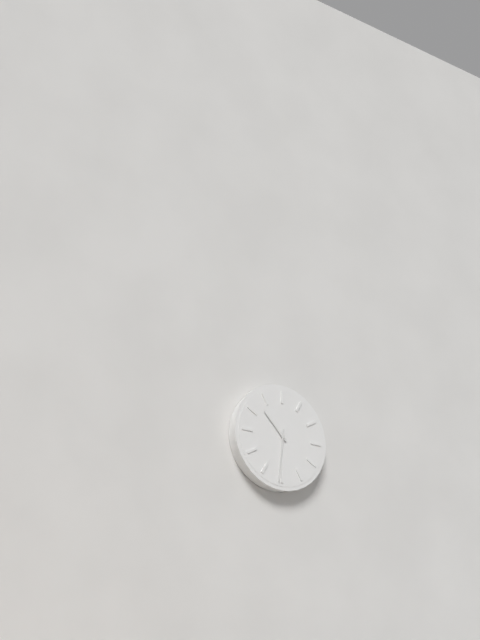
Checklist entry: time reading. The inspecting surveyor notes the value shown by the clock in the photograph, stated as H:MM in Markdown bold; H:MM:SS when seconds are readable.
**10:31**
